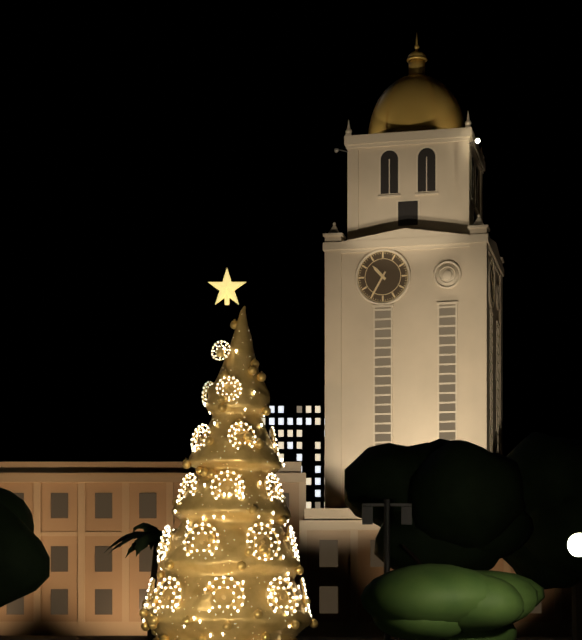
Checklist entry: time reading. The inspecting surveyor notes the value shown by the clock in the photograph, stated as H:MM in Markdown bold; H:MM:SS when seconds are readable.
**10:35**
